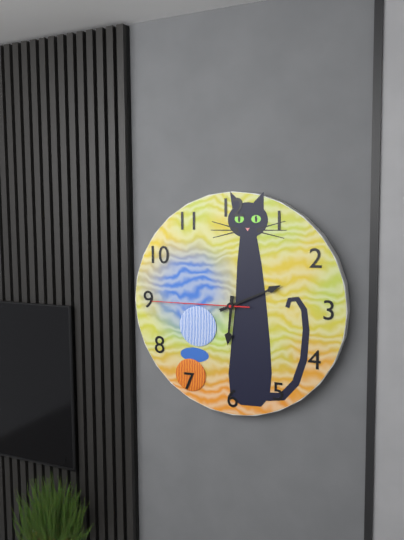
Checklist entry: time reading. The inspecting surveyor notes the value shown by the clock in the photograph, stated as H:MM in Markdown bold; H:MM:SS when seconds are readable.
**6:11:45**
